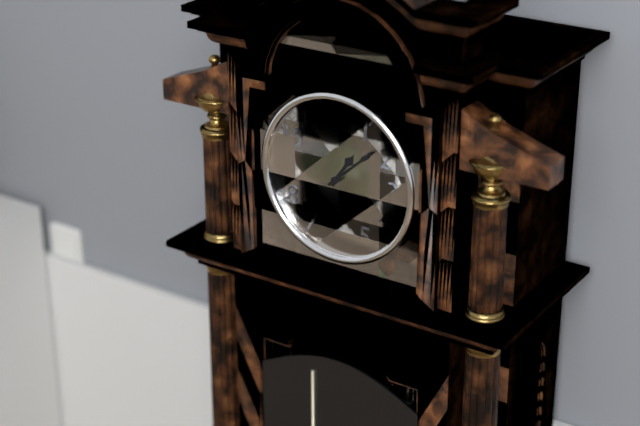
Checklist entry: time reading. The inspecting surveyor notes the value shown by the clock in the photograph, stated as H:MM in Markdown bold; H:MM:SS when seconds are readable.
**1:08**
